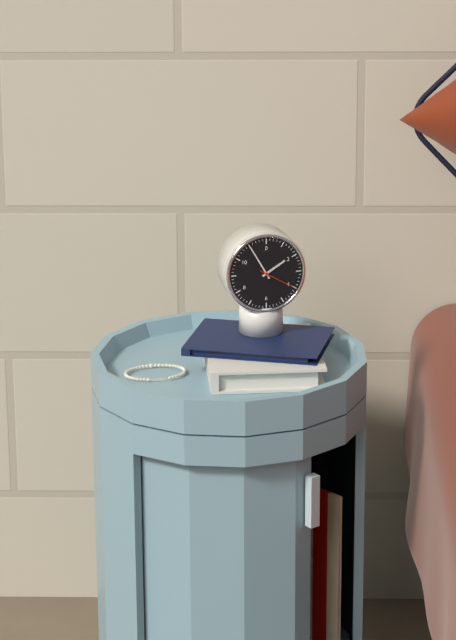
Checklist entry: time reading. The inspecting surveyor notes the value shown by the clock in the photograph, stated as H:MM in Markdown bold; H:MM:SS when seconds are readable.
**1:55**
